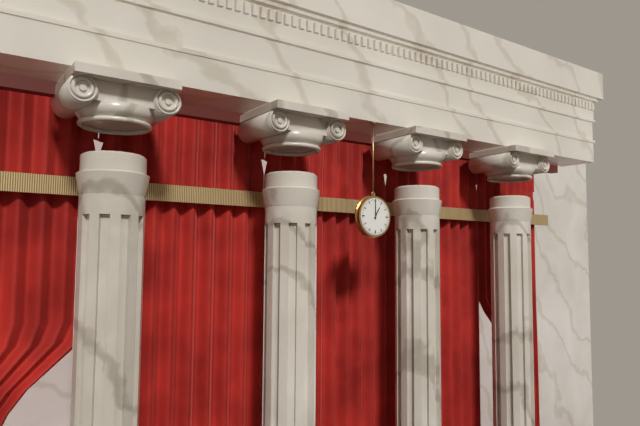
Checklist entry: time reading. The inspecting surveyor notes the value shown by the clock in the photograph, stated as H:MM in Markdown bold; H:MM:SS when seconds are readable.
**1:00**
